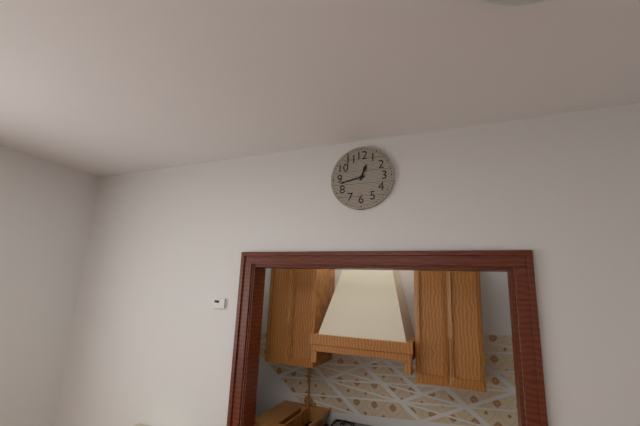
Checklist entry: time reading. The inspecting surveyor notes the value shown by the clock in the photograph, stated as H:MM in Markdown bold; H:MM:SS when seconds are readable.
**12:43**
